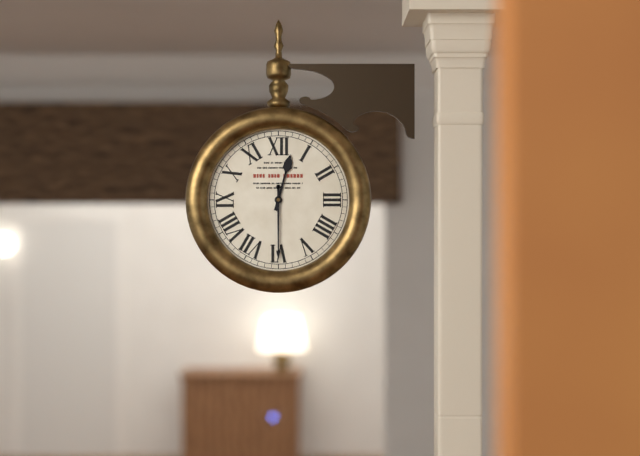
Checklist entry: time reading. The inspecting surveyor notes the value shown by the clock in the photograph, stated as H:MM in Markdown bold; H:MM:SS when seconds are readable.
**12:30**
